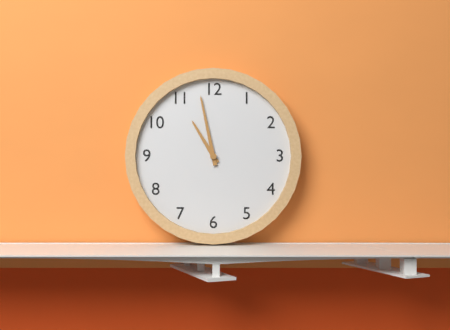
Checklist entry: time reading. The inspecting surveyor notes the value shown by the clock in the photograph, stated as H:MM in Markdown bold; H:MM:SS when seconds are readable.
**10:58**
